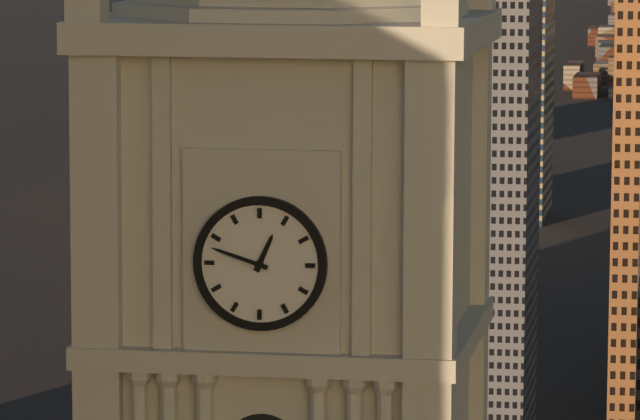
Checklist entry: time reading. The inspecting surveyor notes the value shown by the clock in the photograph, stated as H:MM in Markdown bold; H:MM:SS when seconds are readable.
**12:48**
